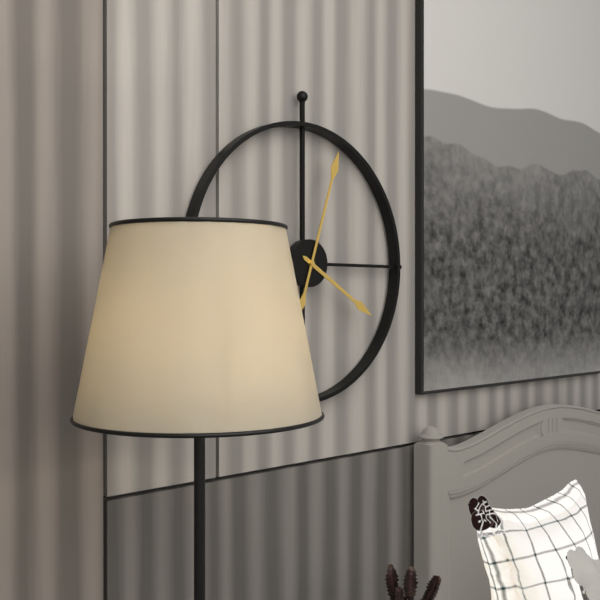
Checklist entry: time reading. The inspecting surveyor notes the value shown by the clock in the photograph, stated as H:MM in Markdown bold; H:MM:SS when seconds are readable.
**4:03**
